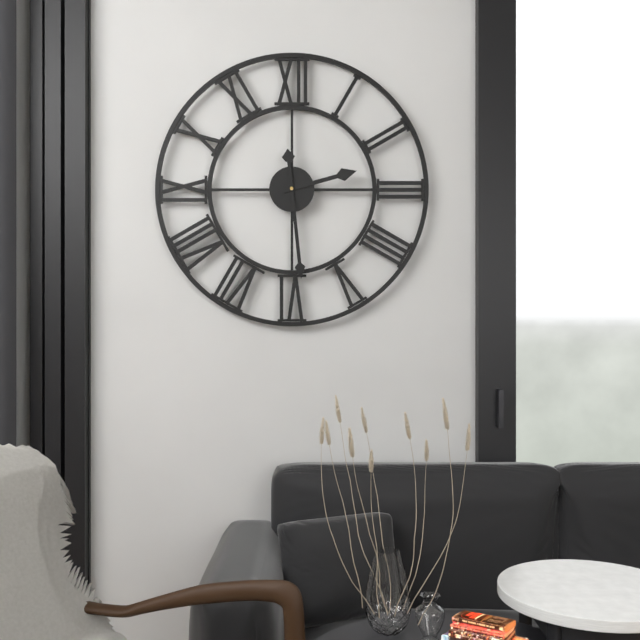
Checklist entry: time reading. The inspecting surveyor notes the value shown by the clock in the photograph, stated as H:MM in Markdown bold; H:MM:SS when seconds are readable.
**2:29**
